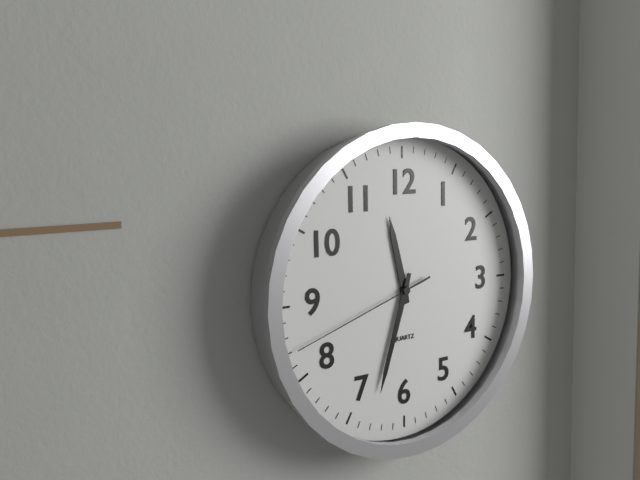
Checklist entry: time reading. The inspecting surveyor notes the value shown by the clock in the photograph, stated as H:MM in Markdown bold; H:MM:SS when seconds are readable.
**11:33:42**
